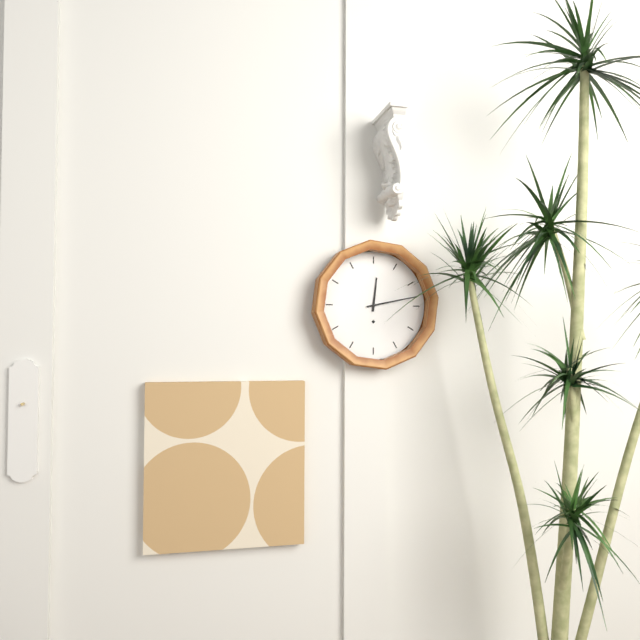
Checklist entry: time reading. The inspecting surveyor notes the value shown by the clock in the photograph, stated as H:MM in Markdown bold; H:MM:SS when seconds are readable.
**12:13**
